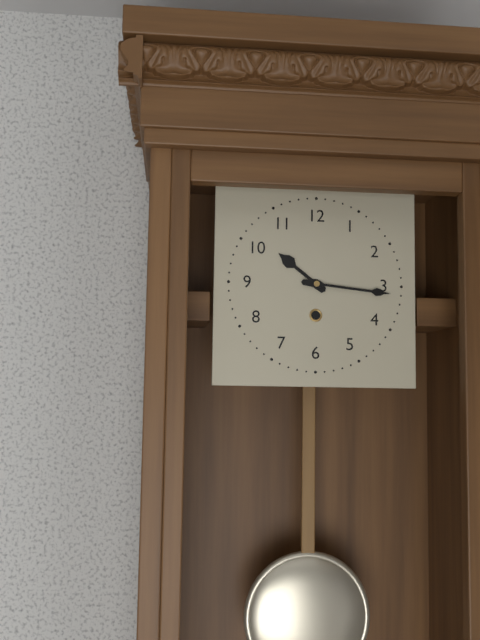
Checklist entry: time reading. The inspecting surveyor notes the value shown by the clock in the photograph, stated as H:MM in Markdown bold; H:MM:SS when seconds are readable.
**10:16**
